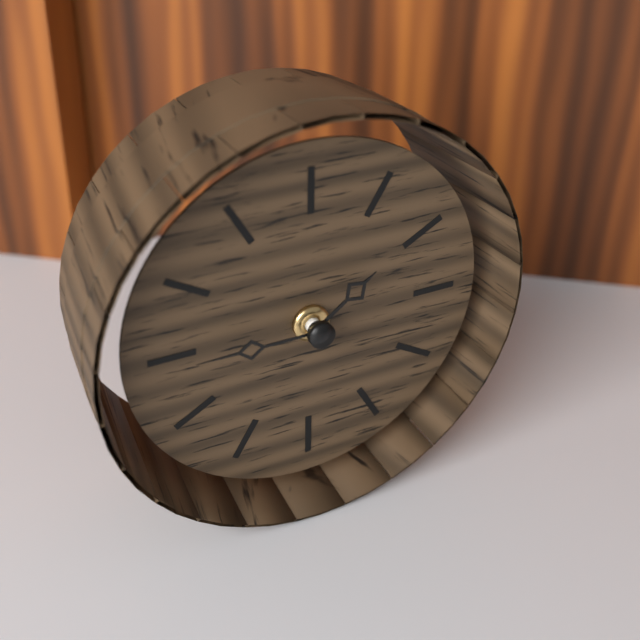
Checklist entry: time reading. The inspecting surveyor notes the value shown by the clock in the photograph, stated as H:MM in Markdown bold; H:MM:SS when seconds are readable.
**1:45**
